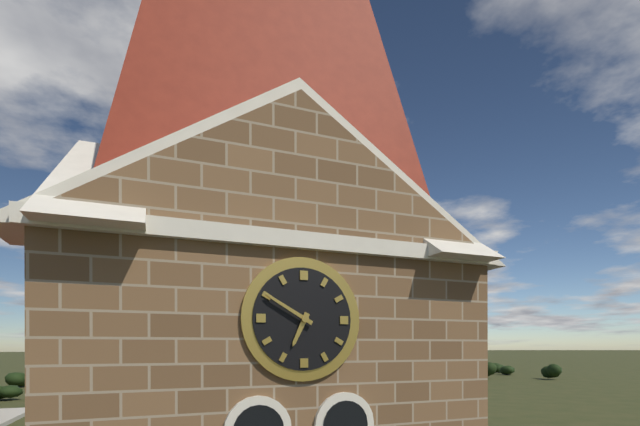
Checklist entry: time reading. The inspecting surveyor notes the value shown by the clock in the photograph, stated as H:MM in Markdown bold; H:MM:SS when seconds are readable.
**6:50**
